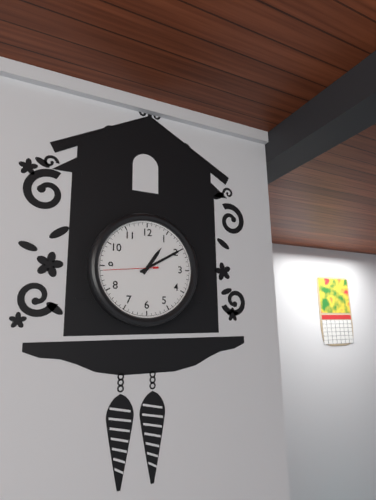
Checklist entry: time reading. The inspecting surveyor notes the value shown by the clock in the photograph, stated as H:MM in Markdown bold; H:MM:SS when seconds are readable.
**1:10:44**
